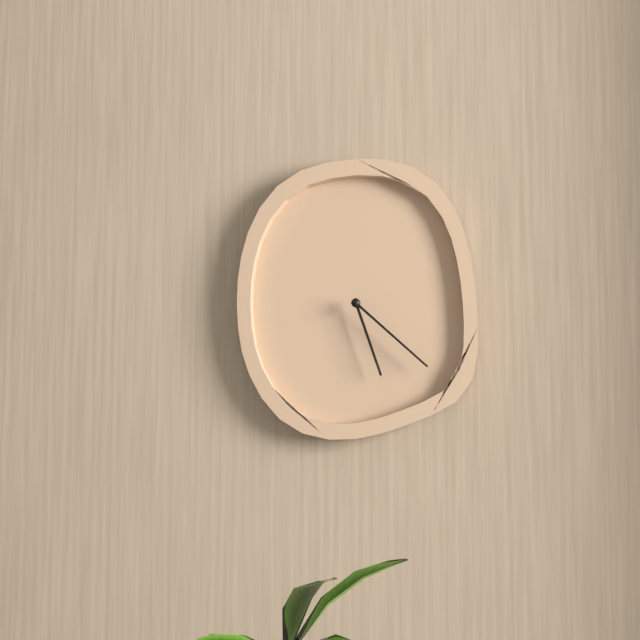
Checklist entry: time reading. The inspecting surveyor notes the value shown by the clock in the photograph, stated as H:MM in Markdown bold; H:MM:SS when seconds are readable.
**5:22**
